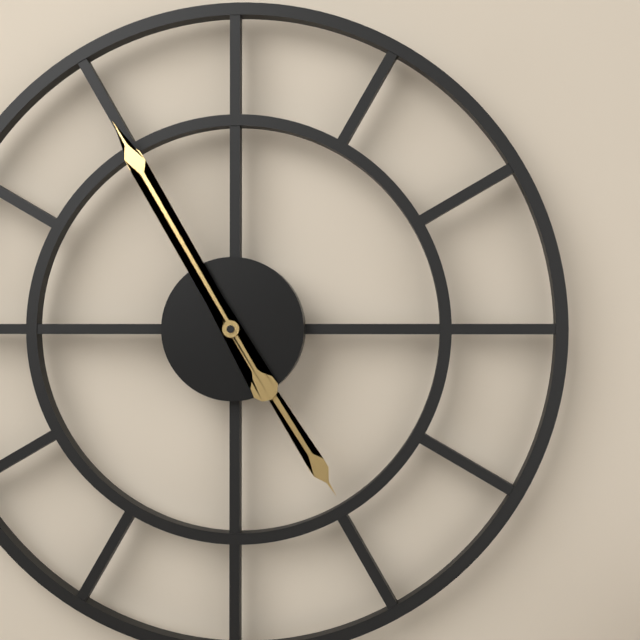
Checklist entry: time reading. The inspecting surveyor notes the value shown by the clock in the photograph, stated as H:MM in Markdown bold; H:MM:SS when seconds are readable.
**4:55**
